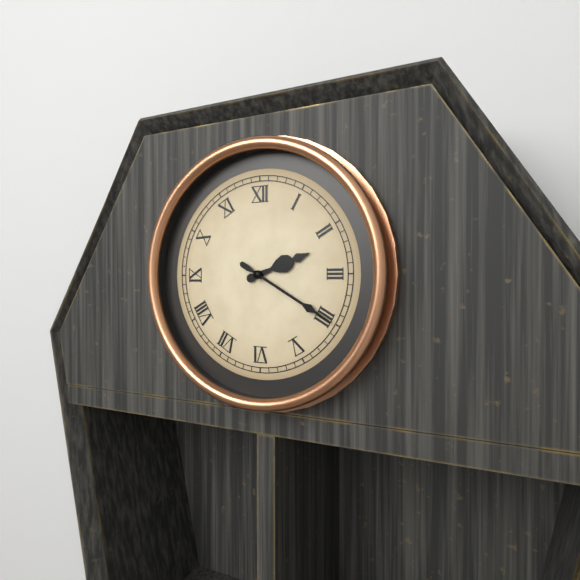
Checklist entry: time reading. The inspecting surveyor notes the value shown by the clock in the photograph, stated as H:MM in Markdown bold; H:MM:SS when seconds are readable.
**2:20**
